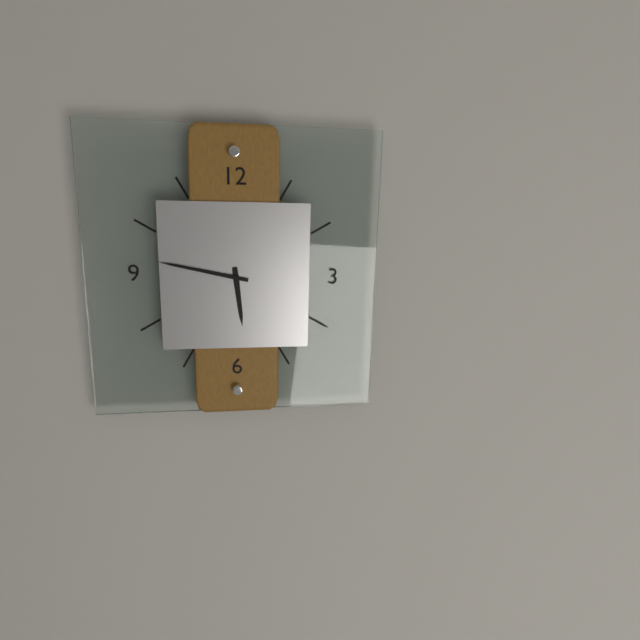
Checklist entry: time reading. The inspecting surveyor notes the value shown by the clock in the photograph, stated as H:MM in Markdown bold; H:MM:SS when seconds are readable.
**5:47**
